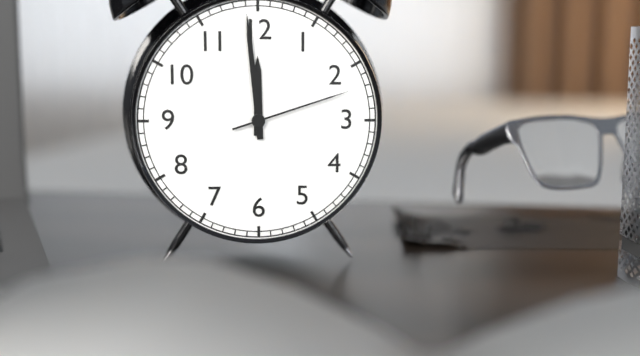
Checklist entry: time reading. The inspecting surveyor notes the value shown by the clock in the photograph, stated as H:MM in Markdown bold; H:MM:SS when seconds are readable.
**11:59:12**
